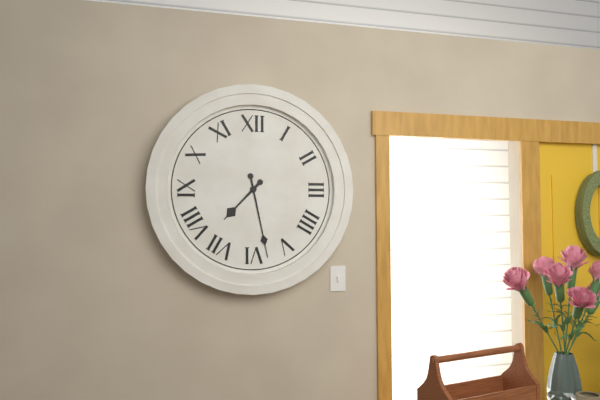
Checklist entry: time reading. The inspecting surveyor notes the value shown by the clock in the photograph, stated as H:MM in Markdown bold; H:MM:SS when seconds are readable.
**7:28**
